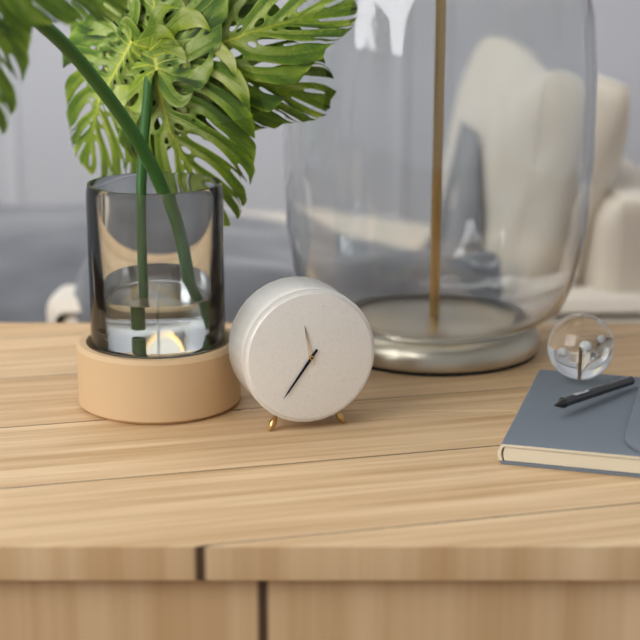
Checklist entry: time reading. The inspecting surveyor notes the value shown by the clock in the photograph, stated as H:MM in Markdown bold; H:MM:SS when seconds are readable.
**11:36**
